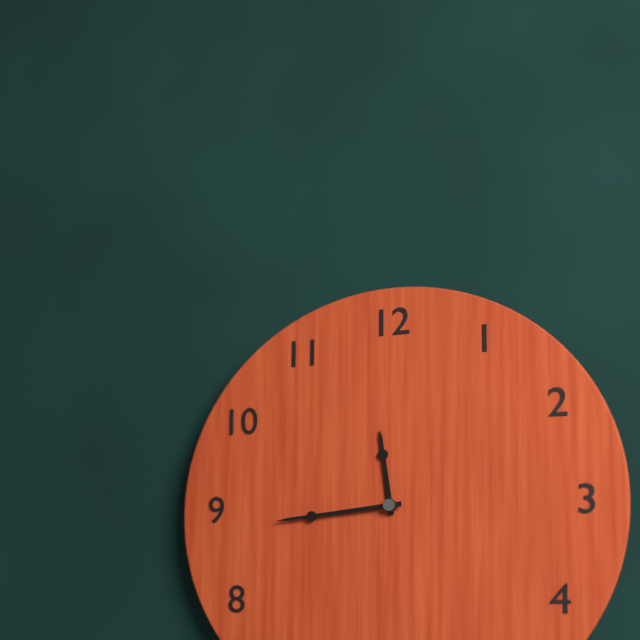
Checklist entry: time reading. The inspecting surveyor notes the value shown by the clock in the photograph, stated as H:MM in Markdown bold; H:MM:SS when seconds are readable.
**11:44**
